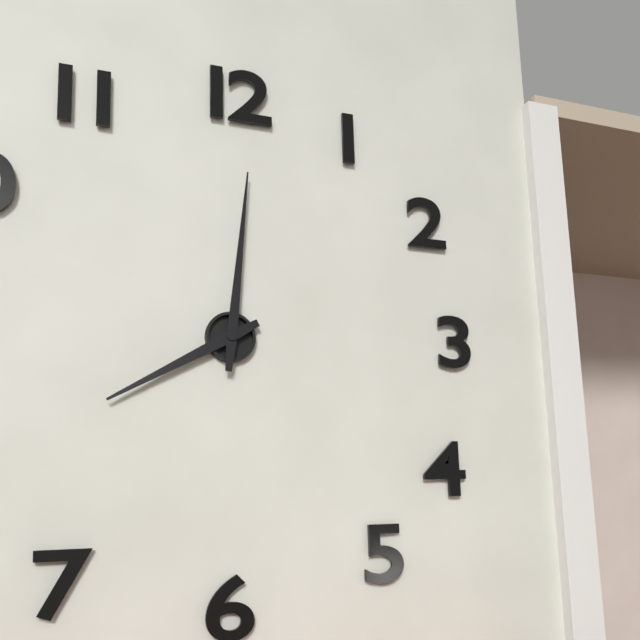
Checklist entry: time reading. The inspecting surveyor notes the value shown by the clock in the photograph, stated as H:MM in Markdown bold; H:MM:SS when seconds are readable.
**8:01**
